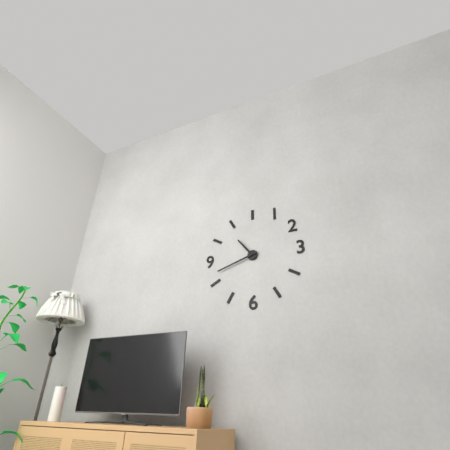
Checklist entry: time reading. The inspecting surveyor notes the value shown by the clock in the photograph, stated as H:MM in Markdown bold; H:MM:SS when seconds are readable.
**10:42**
